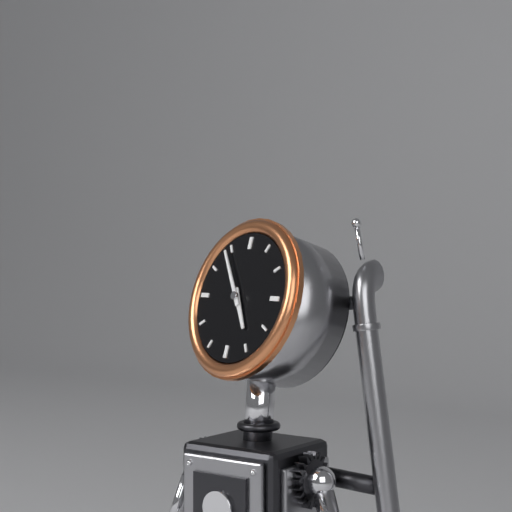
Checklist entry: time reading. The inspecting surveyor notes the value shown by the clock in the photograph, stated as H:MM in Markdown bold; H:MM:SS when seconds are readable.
**4:54**
